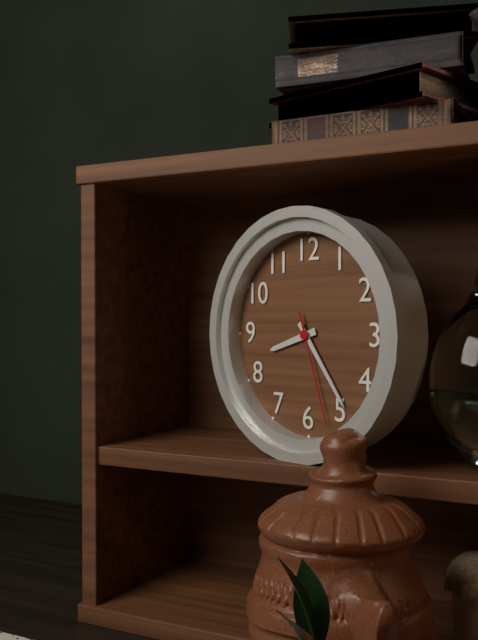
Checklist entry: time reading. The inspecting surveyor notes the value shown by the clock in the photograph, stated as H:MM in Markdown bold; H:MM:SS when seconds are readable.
**8:24:27**
